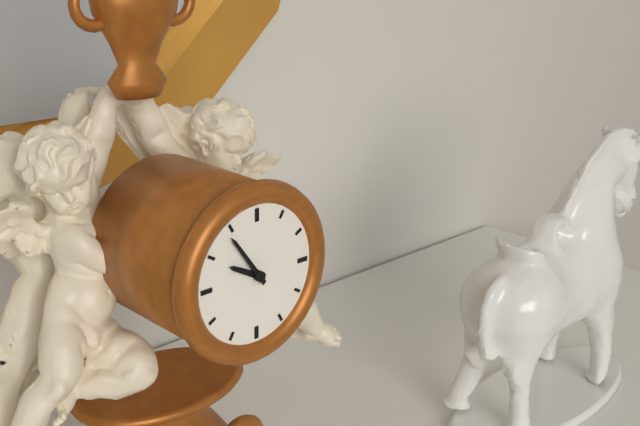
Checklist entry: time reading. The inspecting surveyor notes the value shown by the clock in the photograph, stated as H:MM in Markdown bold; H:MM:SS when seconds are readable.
**9:54**
